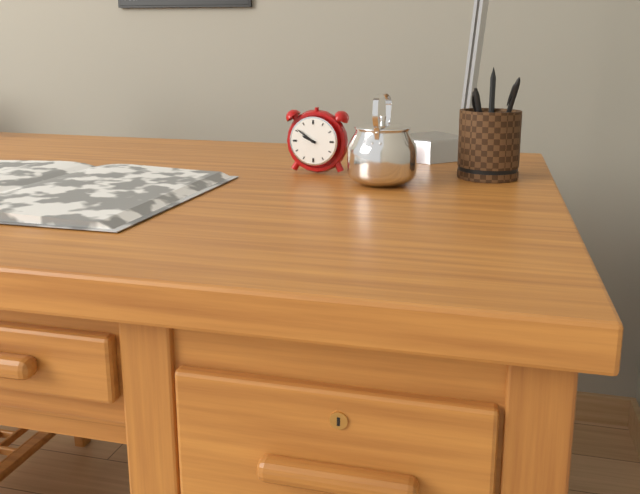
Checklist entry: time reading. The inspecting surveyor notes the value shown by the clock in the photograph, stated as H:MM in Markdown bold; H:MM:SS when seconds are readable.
**9:51**
